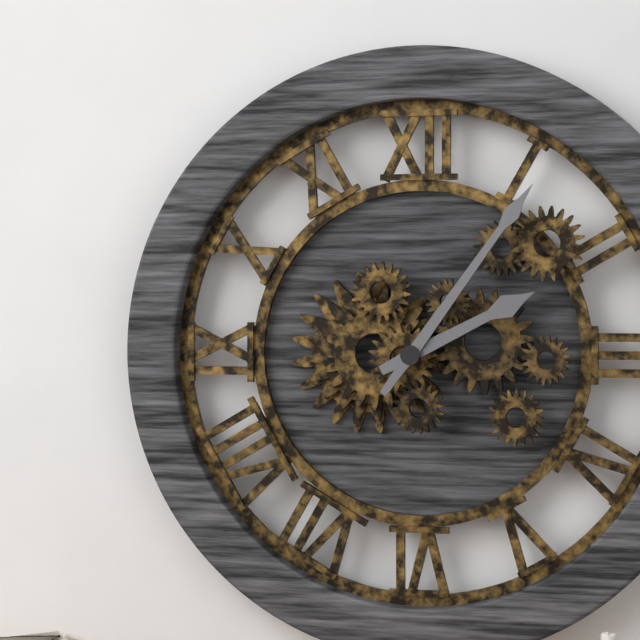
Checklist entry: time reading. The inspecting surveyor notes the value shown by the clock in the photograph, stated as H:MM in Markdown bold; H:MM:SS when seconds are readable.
**2:06**
